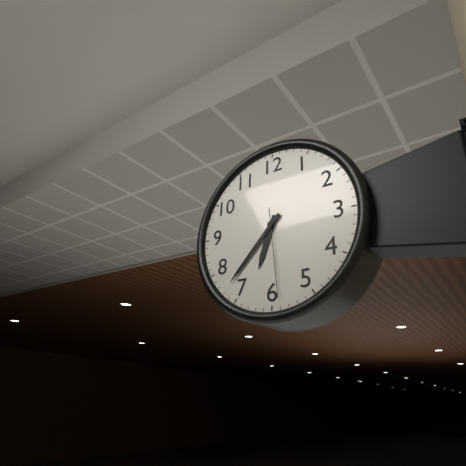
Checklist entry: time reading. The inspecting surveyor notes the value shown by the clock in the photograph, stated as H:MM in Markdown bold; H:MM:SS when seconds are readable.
**6:37:29**
